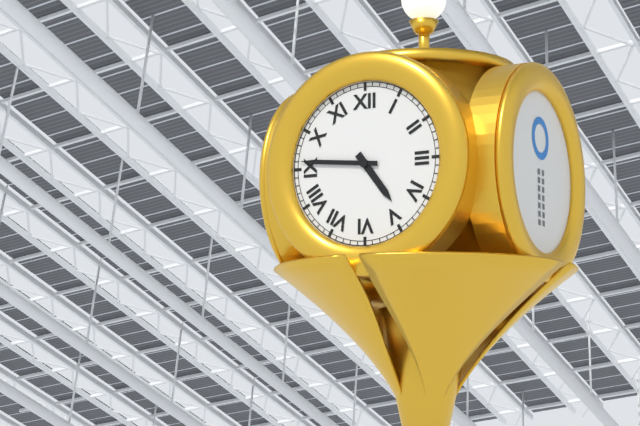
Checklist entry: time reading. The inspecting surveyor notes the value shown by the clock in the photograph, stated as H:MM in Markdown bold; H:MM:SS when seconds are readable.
**4:46**
